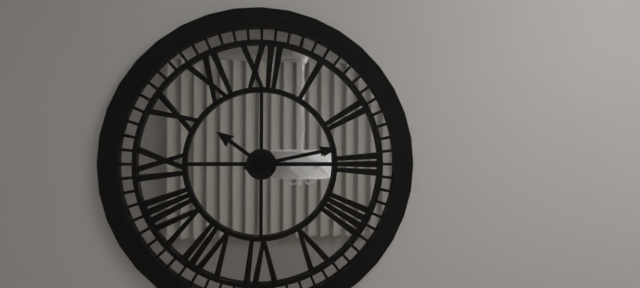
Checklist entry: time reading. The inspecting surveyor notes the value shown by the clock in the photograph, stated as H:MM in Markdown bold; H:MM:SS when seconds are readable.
**10:13**
